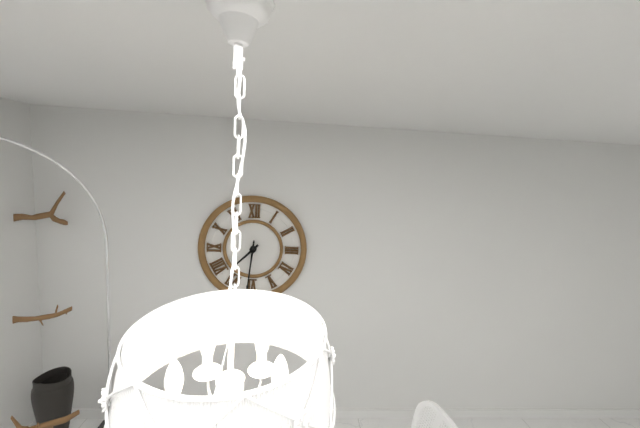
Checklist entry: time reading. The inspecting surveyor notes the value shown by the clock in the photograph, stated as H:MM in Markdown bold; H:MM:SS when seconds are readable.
**7:31**
